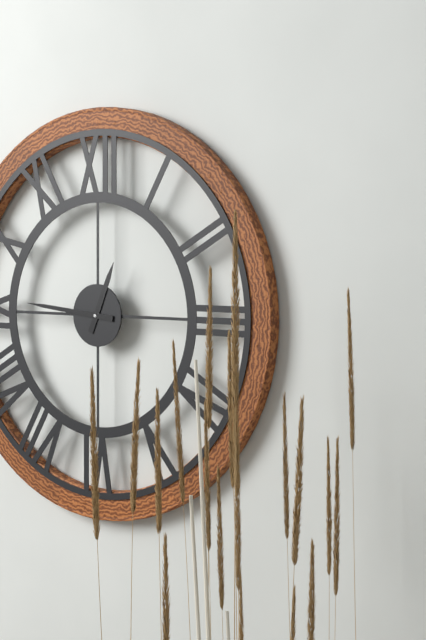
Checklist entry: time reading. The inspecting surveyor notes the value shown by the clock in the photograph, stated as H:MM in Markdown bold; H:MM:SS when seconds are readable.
**12:46**
